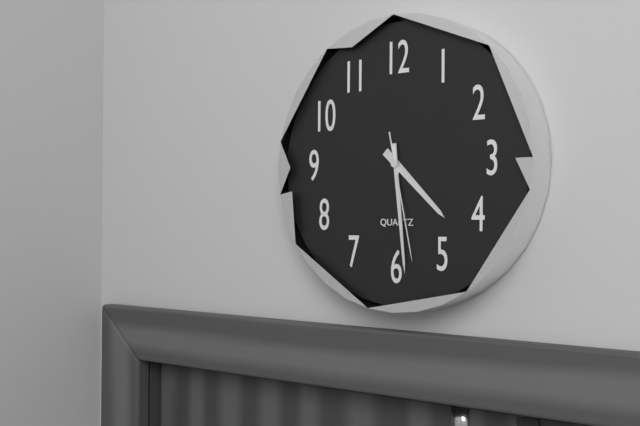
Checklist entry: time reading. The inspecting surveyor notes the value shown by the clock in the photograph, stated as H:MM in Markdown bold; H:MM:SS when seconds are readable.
**4:29:28**
